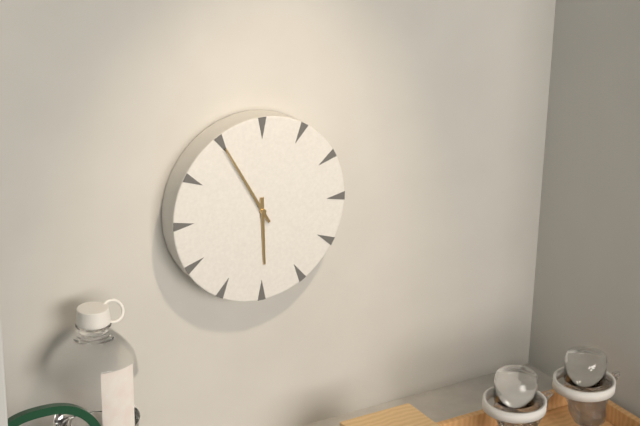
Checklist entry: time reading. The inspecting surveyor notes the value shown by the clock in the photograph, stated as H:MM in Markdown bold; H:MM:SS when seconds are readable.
**5:55**
